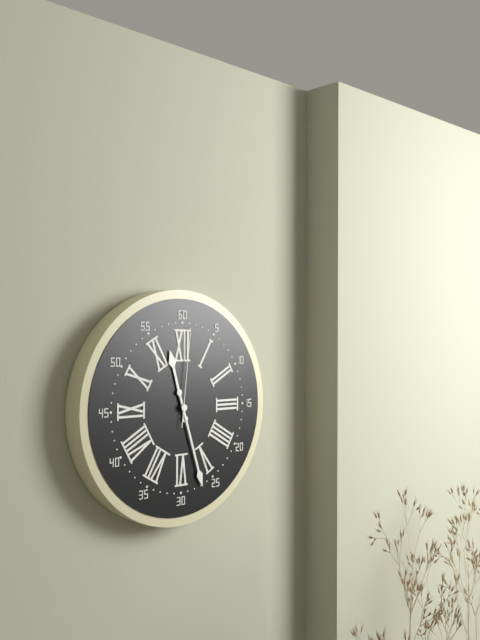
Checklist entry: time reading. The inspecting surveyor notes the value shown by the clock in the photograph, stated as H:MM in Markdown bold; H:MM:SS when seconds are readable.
**11:27:01**
